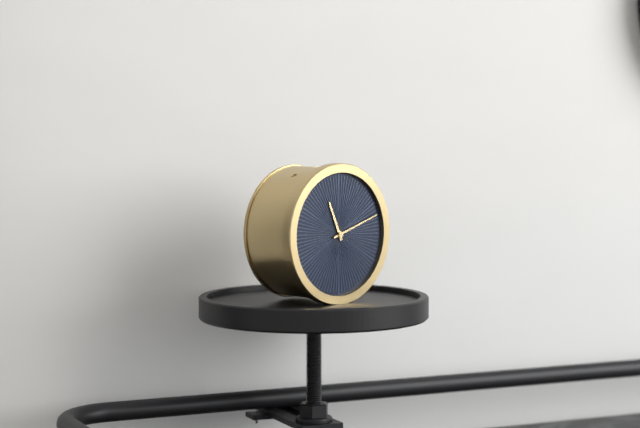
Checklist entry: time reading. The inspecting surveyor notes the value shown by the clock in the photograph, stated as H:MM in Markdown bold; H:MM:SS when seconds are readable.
**11:12**
